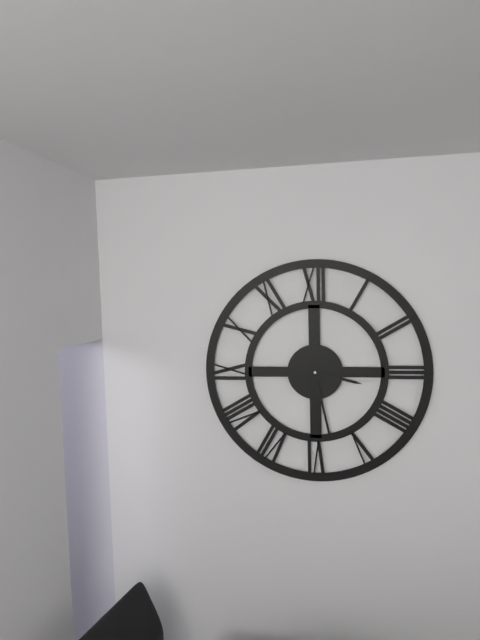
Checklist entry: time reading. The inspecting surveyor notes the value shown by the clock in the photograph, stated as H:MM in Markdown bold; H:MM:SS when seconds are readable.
**3:28**
